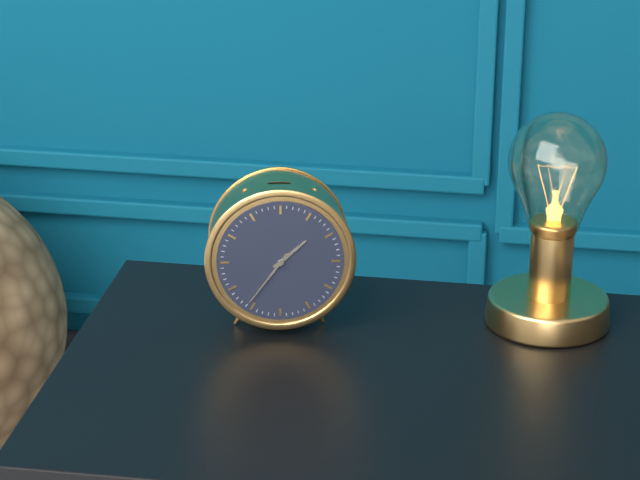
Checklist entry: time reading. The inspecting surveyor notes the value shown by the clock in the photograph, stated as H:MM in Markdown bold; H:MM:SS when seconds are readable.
**1:36**
